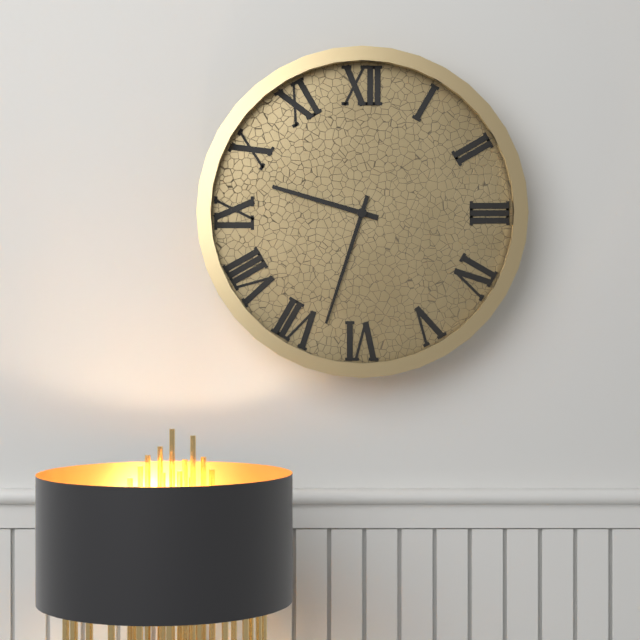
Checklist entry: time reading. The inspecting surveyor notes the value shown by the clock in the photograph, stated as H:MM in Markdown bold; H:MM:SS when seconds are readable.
**9:33**
